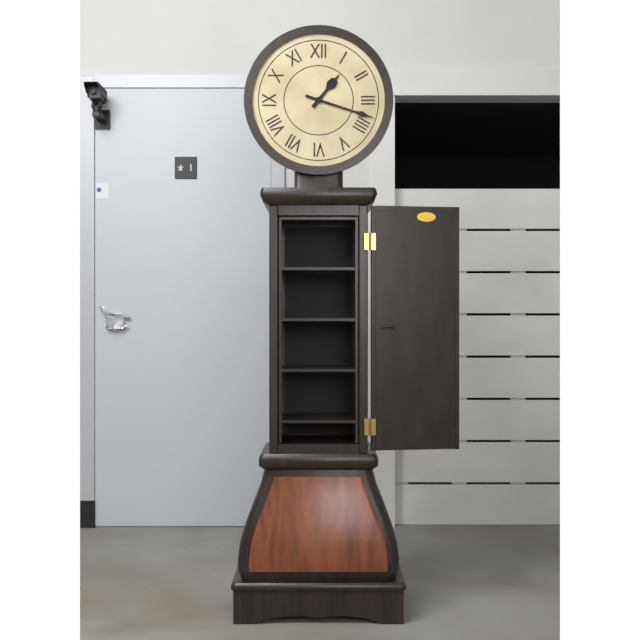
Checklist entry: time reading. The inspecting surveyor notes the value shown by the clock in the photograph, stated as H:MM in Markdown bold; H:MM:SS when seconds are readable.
**1:18**
